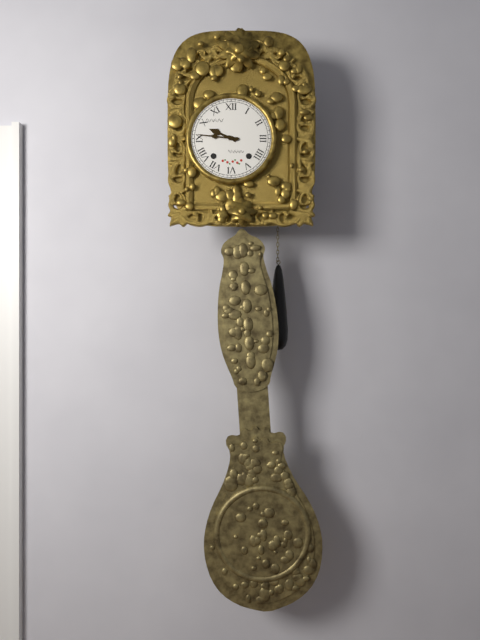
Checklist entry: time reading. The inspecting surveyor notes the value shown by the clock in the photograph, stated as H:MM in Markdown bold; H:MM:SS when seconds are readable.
**9:46**
